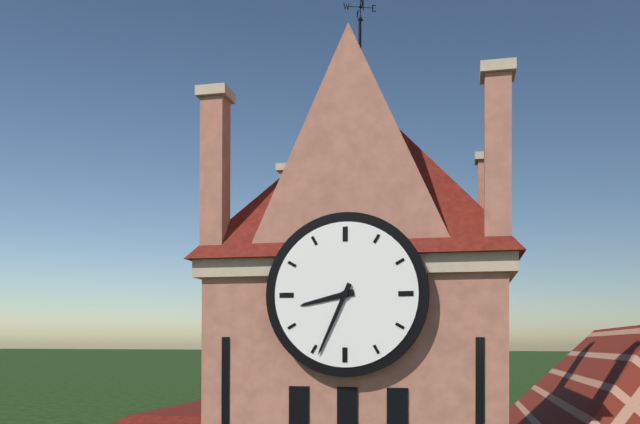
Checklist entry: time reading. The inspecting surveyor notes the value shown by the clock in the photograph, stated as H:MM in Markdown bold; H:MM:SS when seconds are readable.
**8:34**
